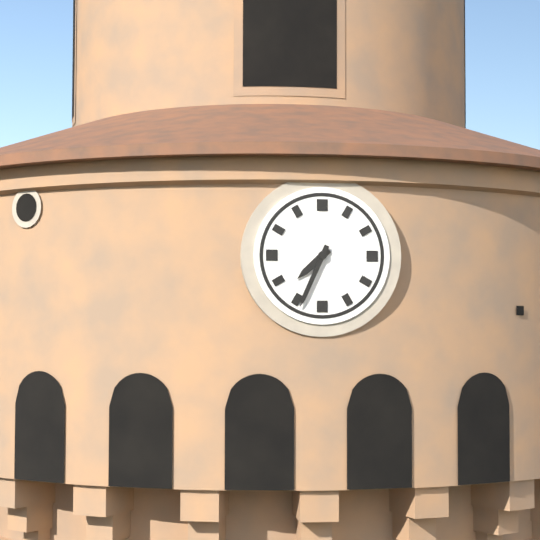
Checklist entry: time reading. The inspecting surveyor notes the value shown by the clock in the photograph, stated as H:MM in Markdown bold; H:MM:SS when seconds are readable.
**7:34**
